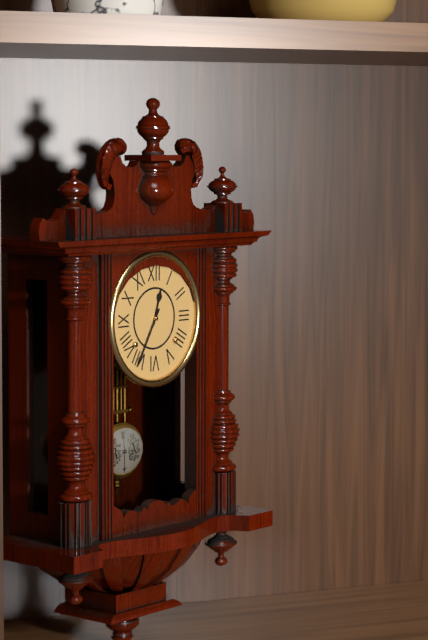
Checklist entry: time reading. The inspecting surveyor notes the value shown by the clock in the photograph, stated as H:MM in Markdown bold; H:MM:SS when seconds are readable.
**12:35**
